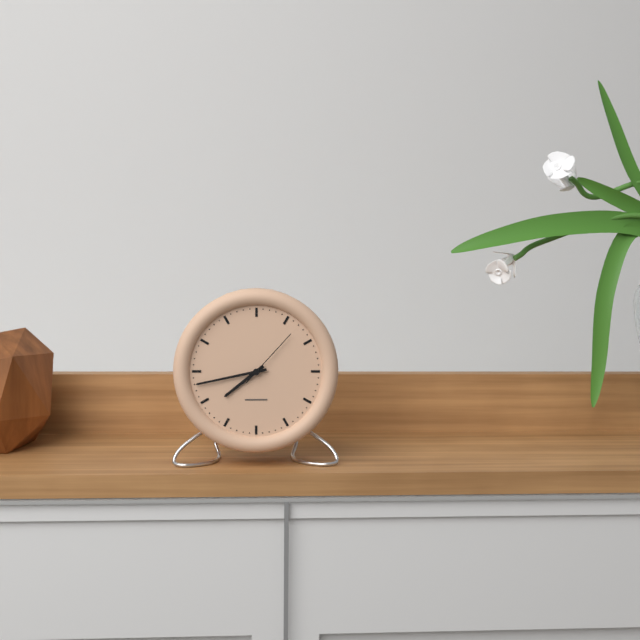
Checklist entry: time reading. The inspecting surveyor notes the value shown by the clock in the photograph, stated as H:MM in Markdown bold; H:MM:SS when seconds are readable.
**7:43:07**
